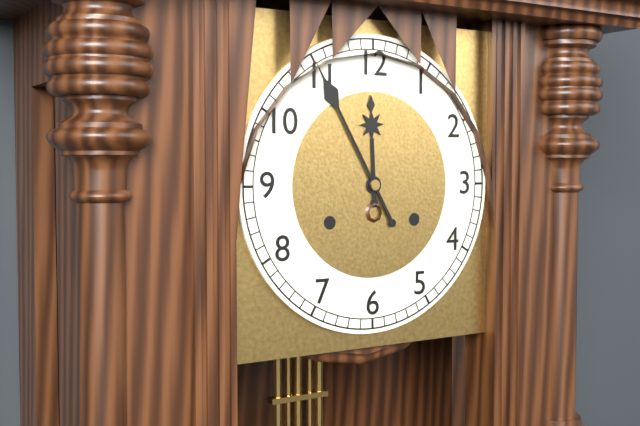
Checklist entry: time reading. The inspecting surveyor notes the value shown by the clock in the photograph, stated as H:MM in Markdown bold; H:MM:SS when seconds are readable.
**11:55**
